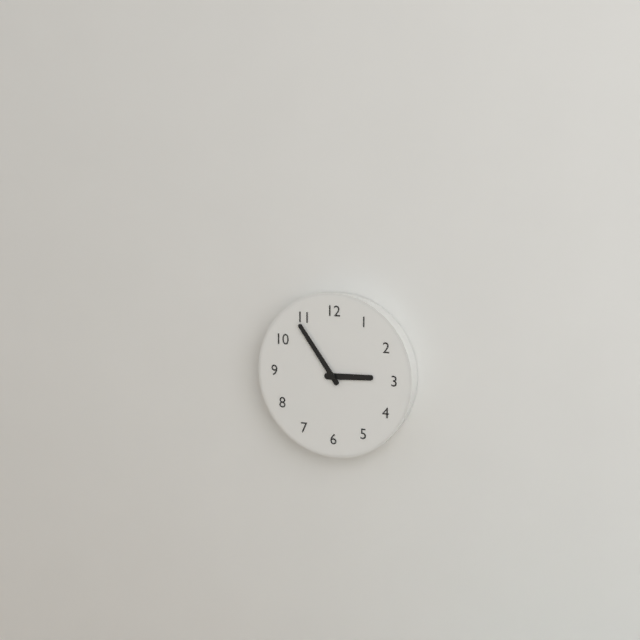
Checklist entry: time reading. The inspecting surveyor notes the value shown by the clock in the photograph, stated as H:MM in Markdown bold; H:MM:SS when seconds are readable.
**2:54**
